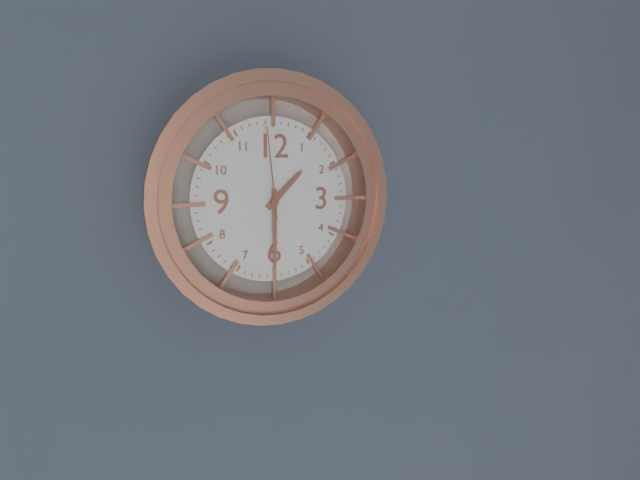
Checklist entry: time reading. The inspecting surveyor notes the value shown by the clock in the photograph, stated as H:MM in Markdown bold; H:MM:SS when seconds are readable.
**1:30:59**
